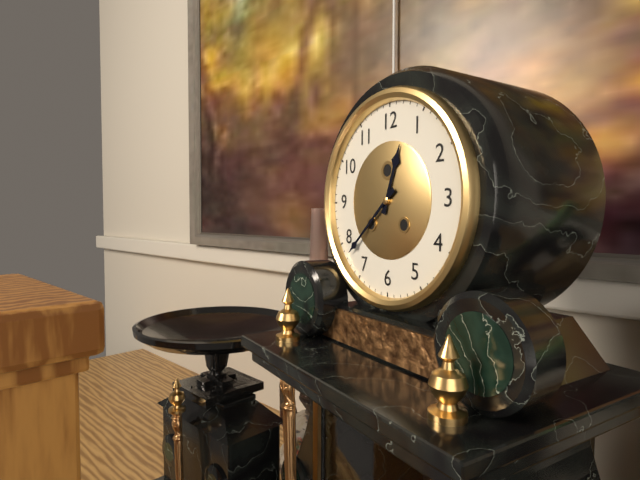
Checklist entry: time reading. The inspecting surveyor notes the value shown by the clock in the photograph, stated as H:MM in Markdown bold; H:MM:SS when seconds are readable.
**12:38**
